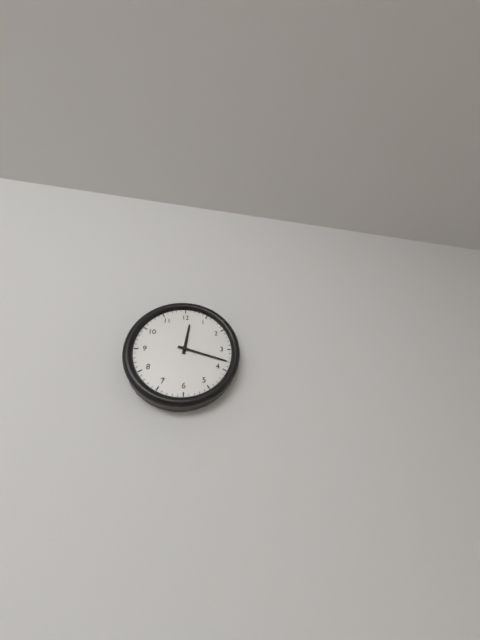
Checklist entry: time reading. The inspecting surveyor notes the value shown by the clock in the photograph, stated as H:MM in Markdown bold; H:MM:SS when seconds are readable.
**12:18**
